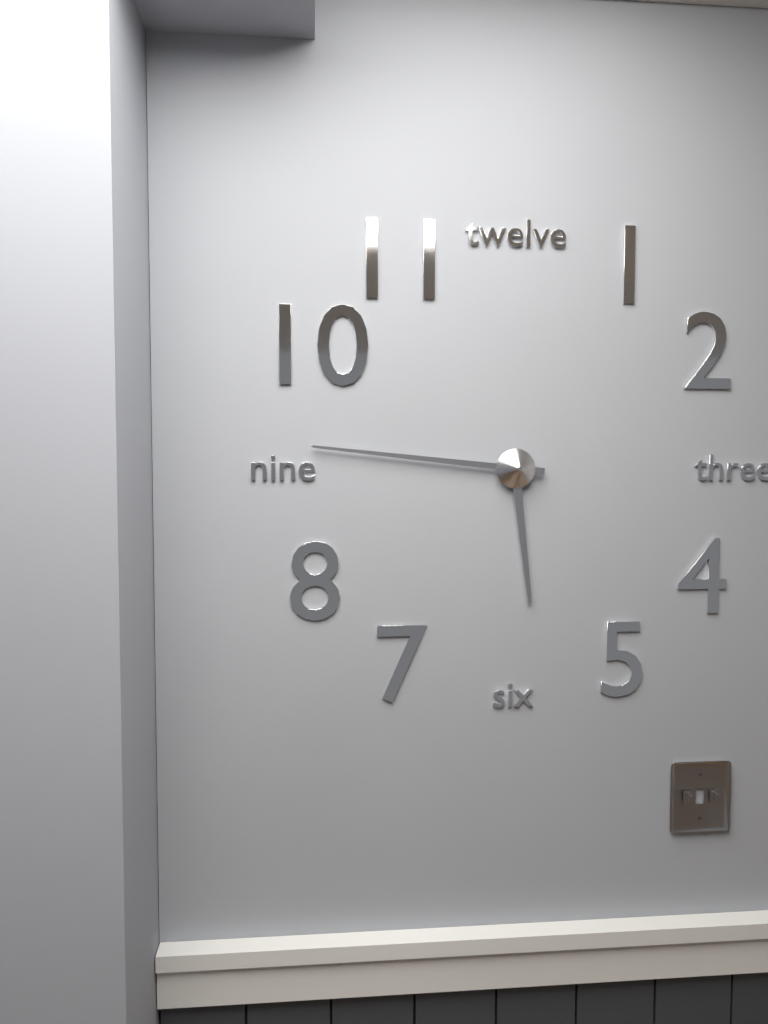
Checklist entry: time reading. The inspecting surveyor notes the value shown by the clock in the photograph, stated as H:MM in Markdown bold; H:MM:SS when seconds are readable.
**5:46**
